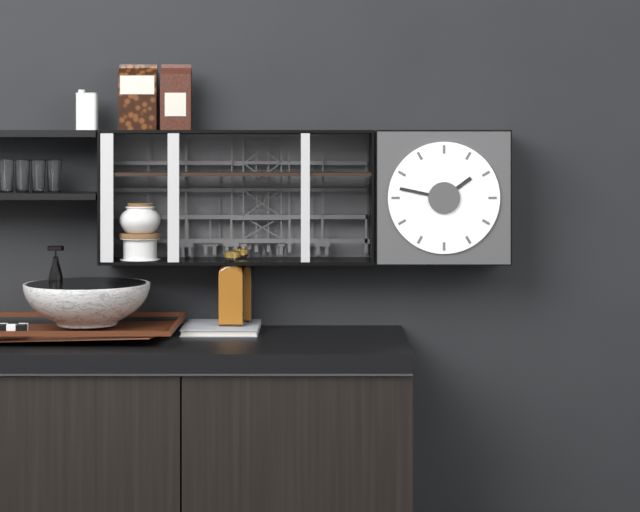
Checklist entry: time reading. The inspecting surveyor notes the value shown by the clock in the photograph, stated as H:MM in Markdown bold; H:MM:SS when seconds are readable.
**1:47**
